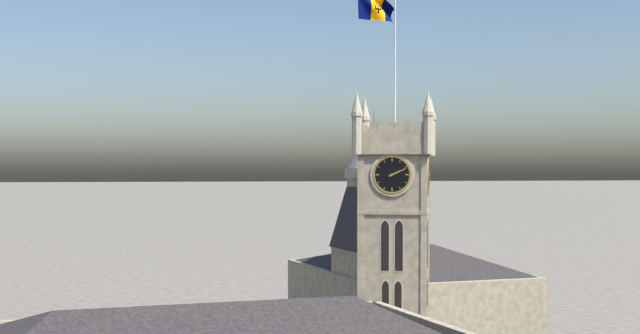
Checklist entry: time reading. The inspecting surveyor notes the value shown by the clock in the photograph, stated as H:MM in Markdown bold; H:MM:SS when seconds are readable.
**2:11**
